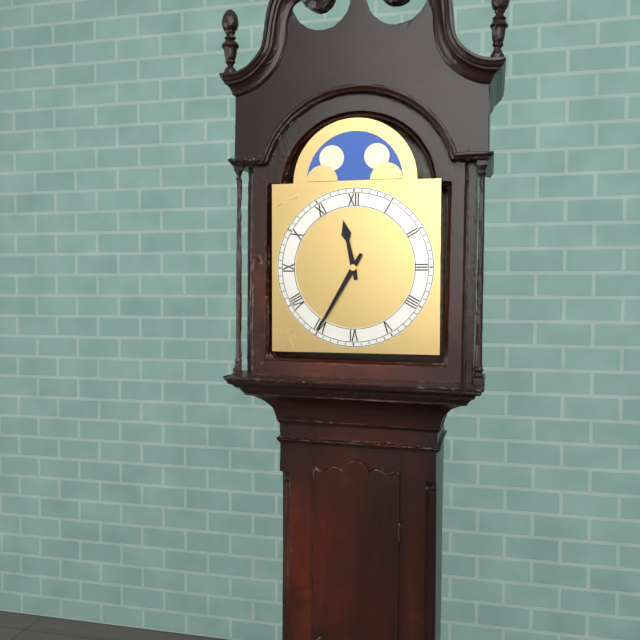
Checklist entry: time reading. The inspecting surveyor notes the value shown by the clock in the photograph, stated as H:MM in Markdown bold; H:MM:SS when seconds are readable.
**11:35**
